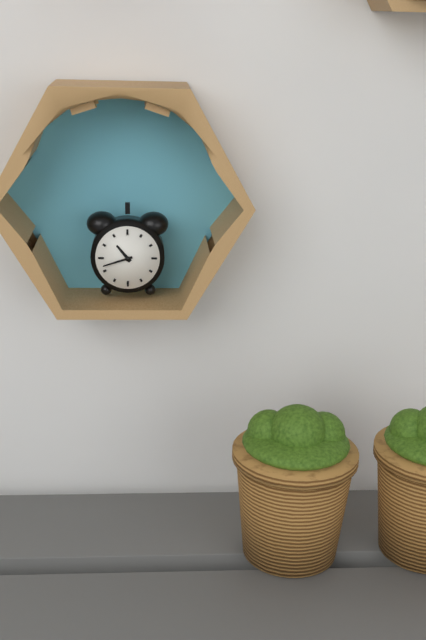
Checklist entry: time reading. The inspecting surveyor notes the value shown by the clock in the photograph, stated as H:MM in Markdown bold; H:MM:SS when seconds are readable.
**10:42**
